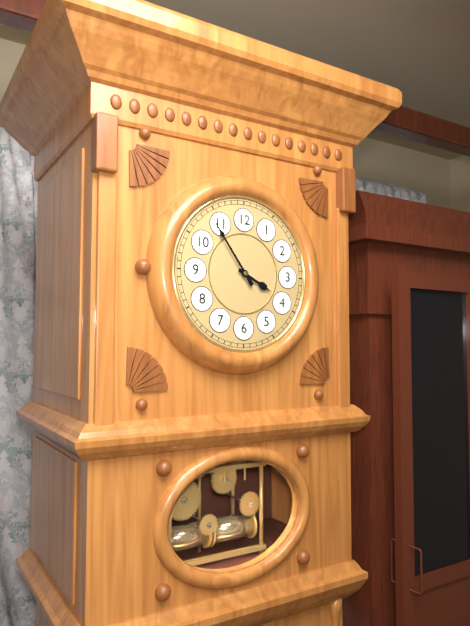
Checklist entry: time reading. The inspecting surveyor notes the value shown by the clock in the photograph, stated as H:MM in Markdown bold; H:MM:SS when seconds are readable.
**3:54**
